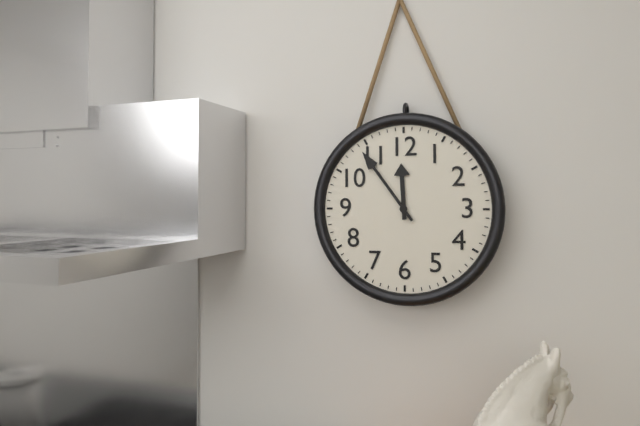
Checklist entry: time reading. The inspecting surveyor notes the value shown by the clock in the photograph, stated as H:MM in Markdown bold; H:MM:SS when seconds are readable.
**11:54**
